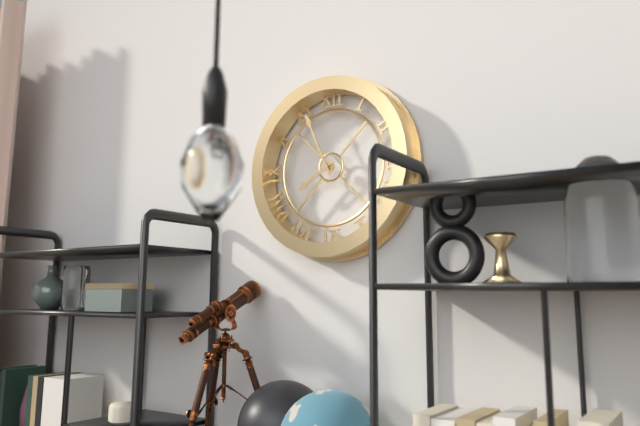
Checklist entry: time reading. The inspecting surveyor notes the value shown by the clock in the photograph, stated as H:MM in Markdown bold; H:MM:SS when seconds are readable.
**7:56**
